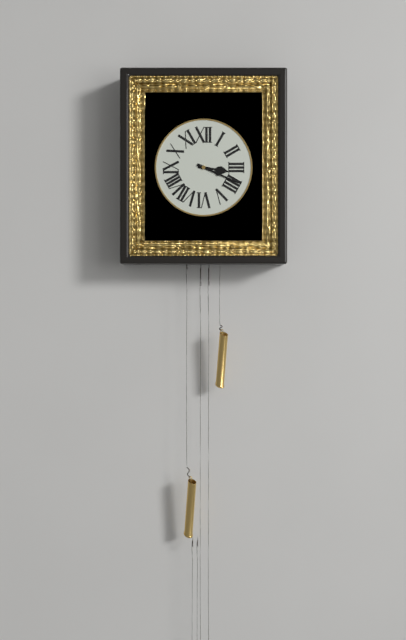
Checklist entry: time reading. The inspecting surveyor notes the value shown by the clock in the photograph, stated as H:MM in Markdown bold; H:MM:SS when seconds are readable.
**3:19**
